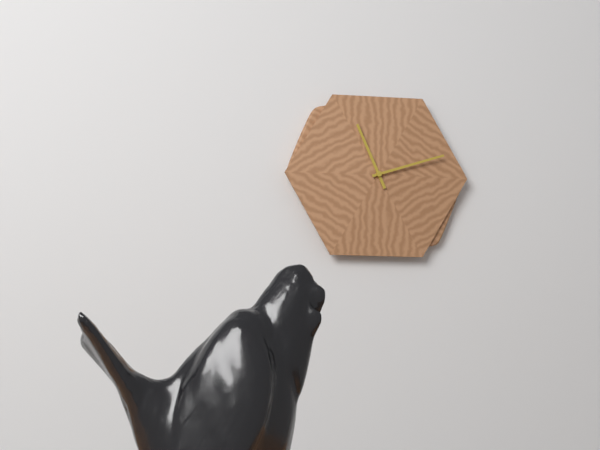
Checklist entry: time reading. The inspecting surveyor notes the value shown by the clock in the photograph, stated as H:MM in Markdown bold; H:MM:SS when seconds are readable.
**11:12**
